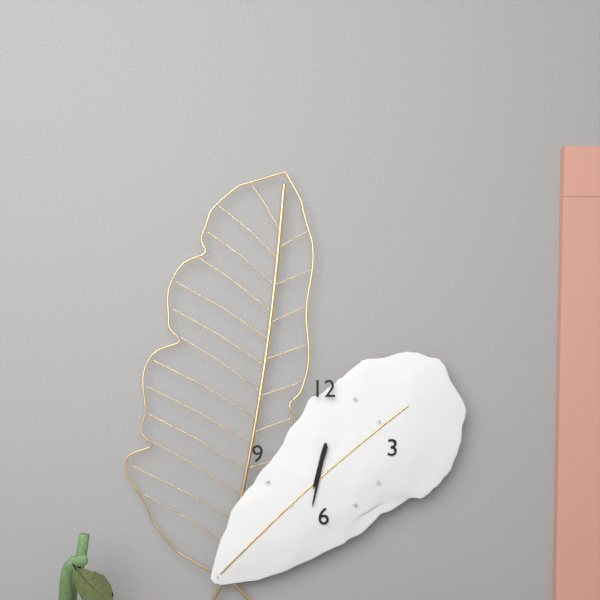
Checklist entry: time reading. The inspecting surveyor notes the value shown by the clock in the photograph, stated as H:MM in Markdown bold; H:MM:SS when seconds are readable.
**6:32**
